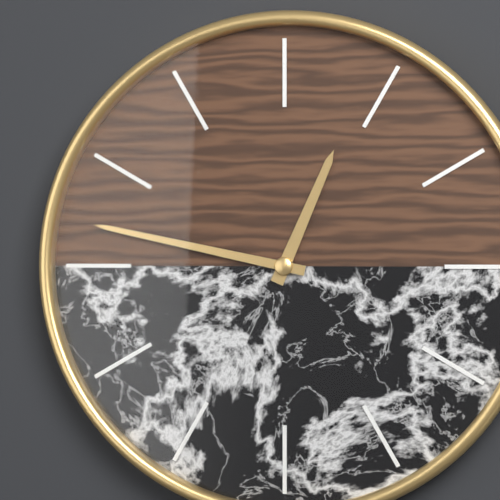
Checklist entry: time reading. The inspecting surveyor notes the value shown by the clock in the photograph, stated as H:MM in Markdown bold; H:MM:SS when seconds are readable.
**12:47**
